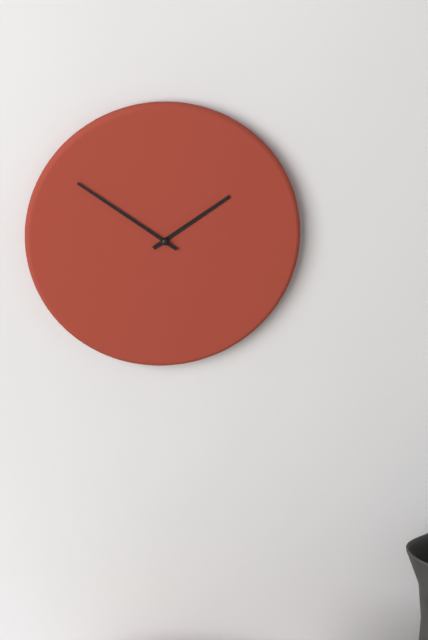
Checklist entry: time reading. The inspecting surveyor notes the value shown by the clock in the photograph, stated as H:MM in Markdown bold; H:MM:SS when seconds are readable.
**1:51**
